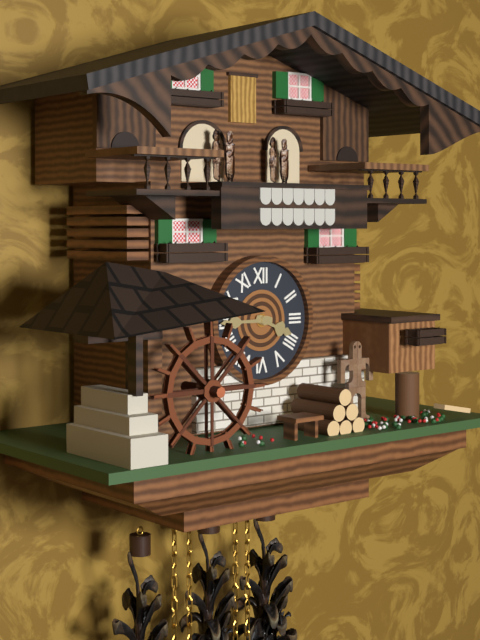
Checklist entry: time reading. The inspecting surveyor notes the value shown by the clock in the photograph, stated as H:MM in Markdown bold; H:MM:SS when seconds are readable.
**3:45**
